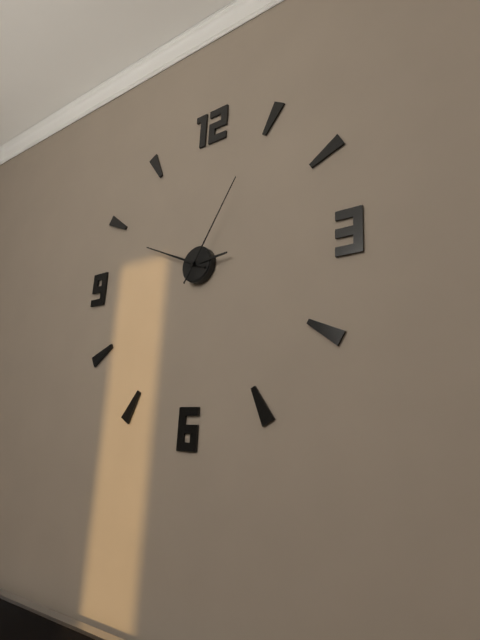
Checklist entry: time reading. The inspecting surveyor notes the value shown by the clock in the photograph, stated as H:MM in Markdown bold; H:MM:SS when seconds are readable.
**2:49:05**
